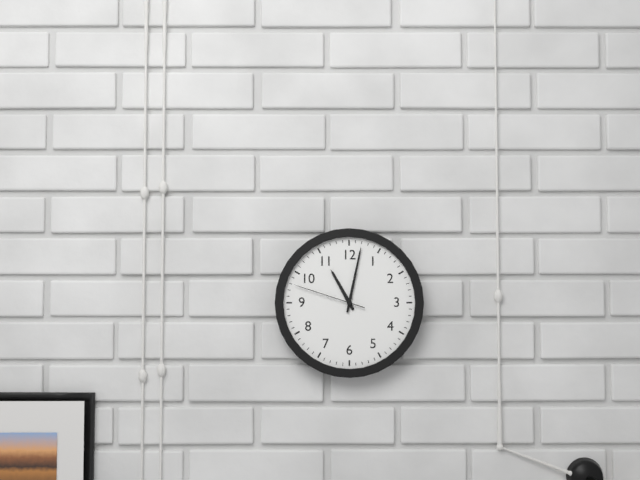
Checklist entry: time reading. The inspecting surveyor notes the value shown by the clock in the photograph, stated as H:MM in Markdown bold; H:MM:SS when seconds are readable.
**11:02:48**
